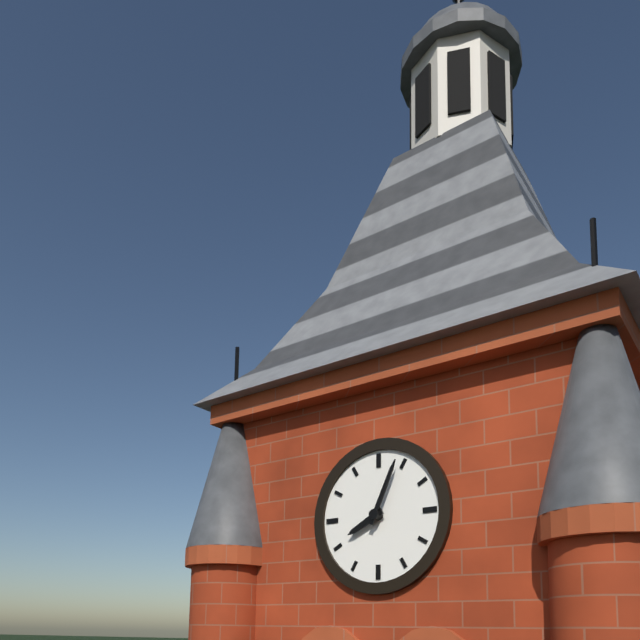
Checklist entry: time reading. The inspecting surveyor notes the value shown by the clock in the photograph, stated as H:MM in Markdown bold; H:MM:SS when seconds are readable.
**8:04**
